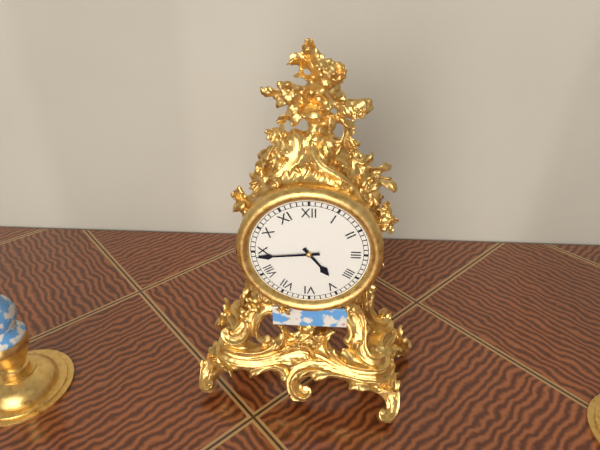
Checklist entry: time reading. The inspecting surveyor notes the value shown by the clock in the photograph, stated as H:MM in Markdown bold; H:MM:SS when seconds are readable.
**4:44**
